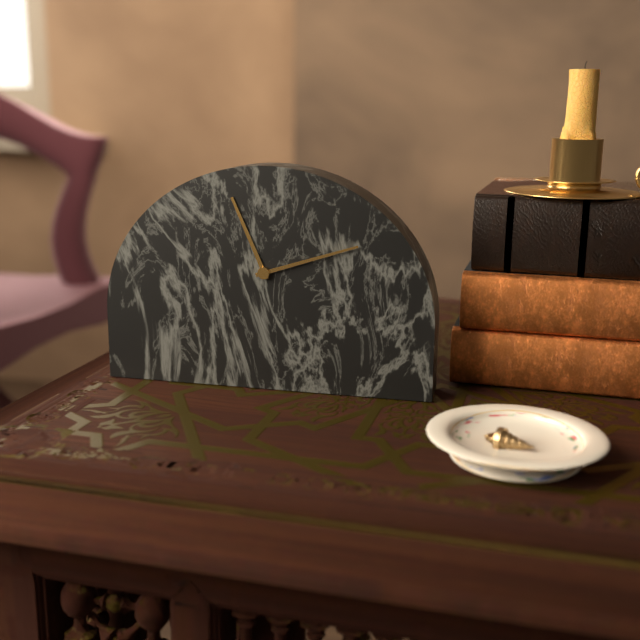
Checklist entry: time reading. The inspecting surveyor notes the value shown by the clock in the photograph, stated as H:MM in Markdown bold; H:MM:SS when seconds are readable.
**11:12**
